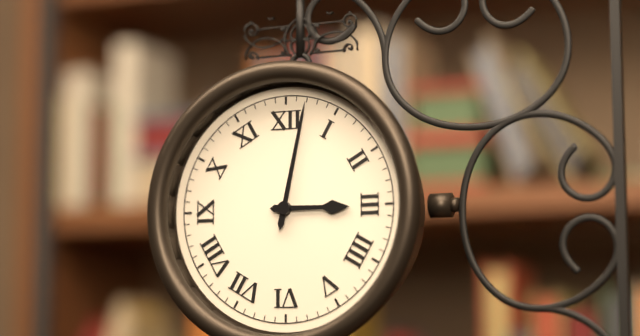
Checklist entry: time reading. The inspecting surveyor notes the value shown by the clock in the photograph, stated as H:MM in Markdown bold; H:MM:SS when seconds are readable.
**3:02**
